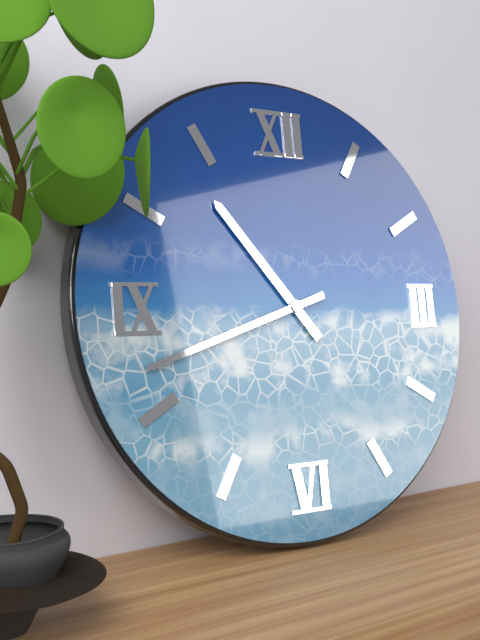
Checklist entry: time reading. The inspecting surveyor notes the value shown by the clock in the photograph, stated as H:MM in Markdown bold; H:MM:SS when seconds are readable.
**10:42**
